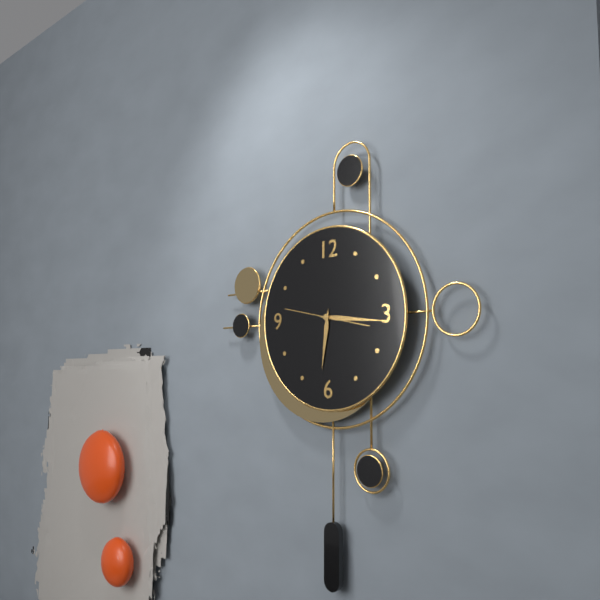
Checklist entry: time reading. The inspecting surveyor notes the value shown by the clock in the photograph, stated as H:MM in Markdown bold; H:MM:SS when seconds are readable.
**6:16:47**
